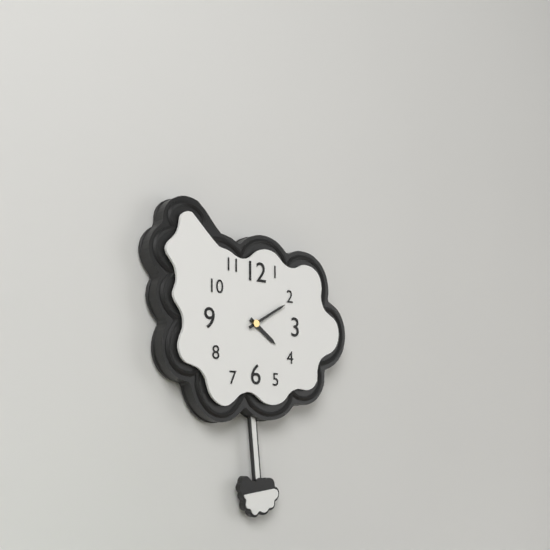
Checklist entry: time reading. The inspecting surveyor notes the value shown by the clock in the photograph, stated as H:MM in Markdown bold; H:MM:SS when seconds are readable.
**4:10**
